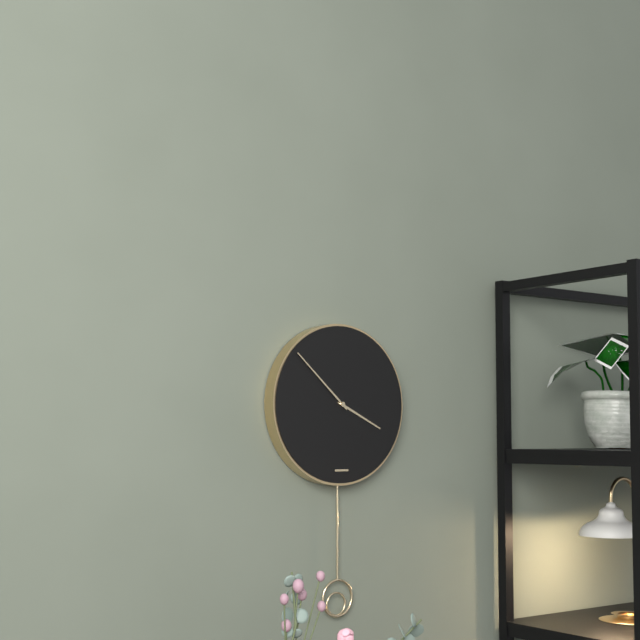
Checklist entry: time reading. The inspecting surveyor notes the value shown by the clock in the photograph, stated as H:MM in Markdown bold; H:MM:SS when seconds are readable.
**3:52**
